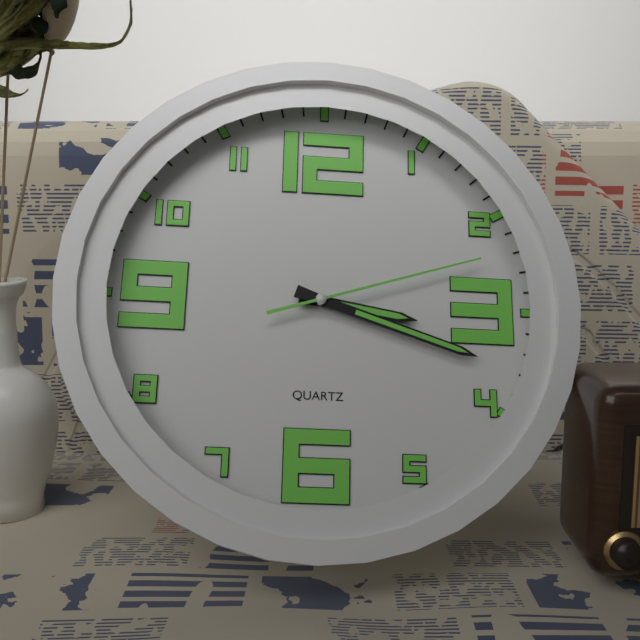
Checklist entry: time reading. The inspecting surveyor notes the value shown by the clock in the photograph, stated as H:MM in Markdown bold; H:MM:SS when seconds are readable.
**3:18:12**
